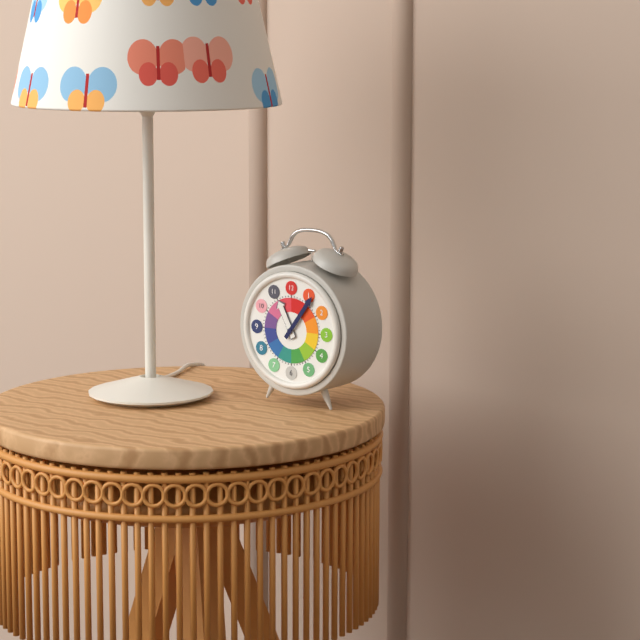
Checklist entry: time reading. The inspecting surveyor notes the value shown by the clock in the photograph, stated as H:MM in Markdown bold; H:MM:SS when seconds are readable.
**11:06**
